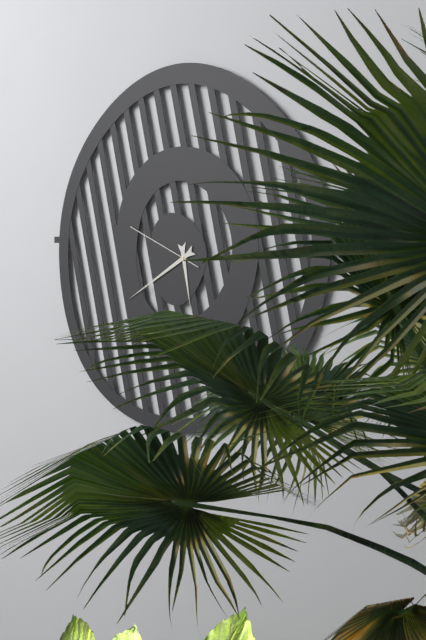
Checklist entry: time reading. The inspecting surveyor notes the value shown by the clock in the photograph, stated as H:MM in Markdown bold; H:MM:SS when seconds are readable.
**5:40:49**
